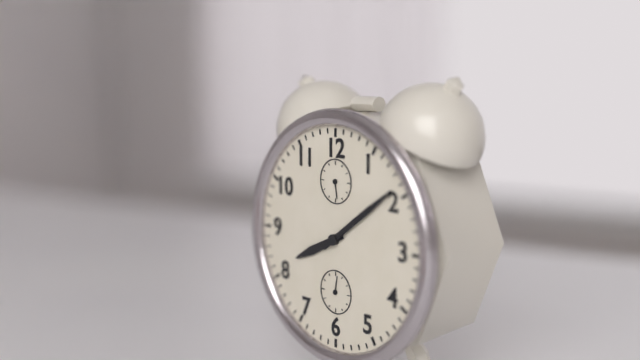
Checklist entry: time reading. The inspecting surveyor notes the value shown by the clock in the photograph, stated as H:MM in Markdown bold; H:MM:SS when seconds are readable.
**8:09**
